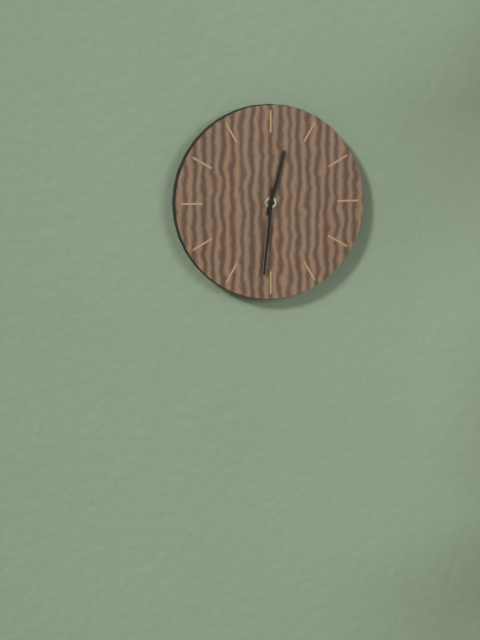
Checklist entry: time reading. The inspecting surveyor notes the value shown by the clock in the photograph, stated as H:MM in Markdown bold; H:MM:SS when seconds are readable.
**12:31**
